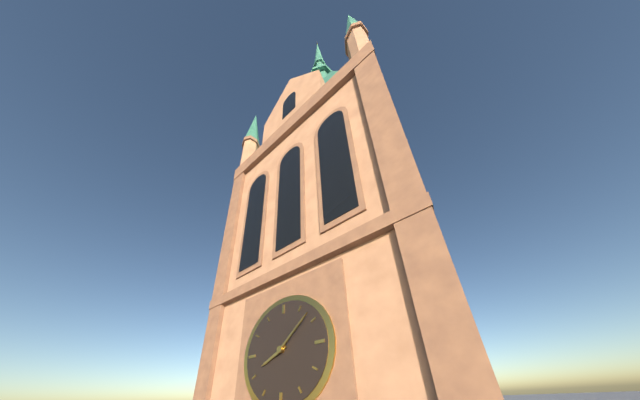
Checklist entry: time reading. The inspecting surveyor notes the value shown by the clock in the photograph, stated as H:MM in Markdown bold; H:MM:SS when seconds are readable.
**8:08**
